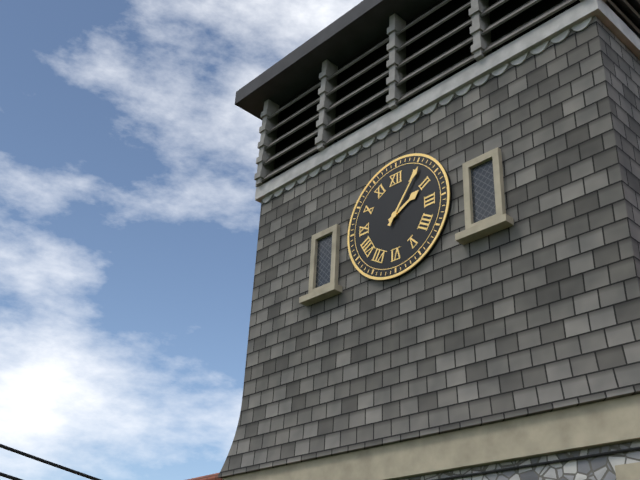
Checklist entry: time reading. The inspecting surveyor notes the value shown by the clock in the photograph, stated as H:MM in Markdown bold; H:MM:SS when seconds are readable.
**2:06**
